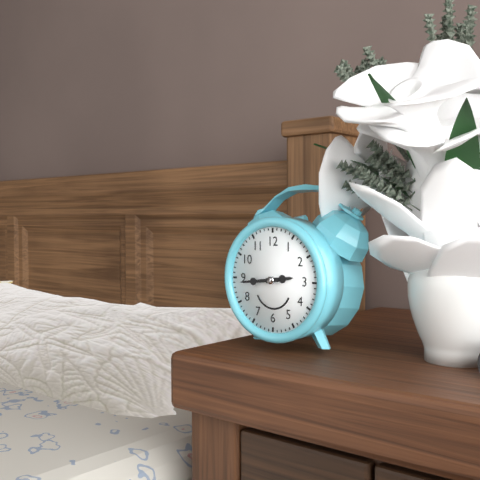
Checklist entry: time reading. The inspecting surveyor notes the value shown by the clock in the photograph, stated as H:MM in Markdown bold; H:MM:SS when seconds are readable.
**2:44**
